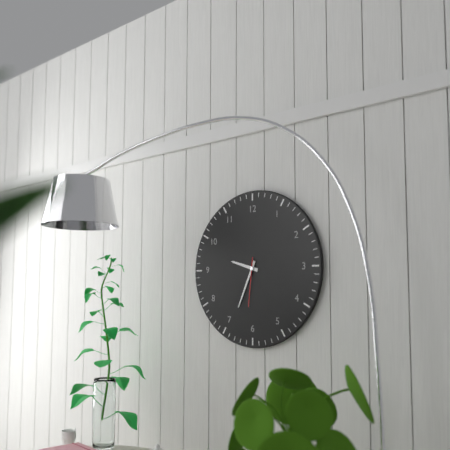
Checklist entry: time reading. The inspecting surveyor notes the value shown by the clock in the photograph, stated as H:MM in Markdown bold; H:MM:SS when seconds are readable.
**9:34**
